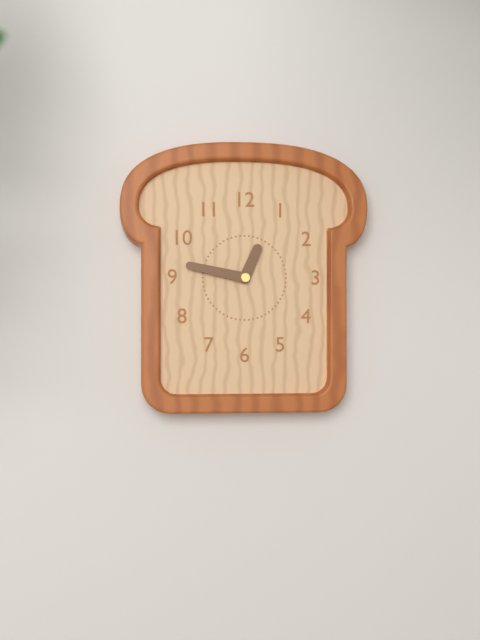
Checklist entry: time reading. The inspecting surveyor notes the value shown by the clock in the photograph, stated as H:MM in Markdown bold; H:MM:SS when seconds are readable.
**12:47**
